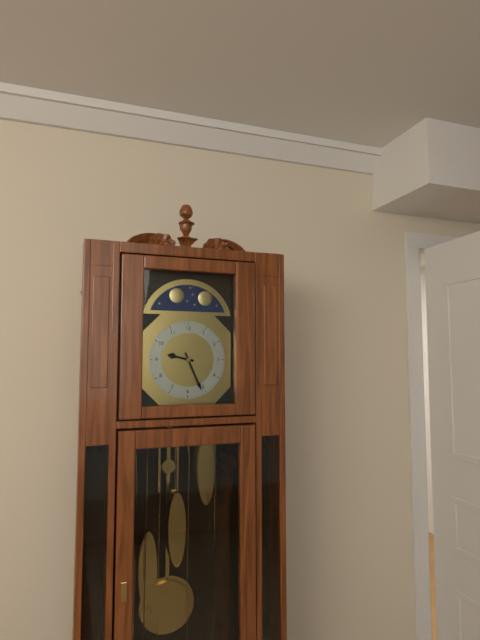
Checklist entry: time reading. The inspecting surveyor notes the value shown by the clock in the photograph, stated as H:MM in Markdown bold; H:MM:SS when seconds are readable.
**9:26**
